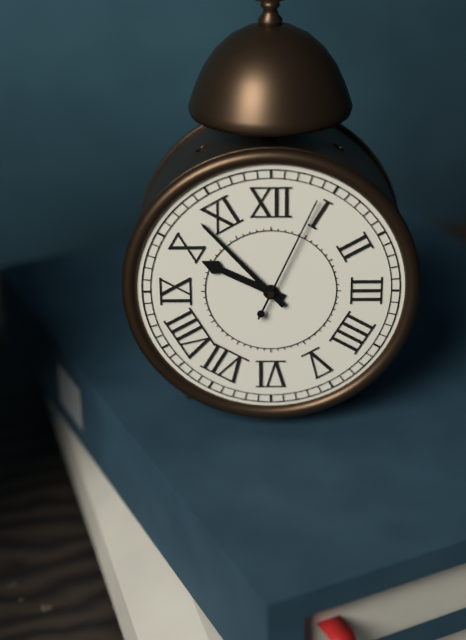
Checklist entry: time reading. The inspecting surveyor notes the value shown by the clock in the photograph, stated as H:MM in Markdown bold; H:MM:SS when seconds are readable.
**9:53:04**
